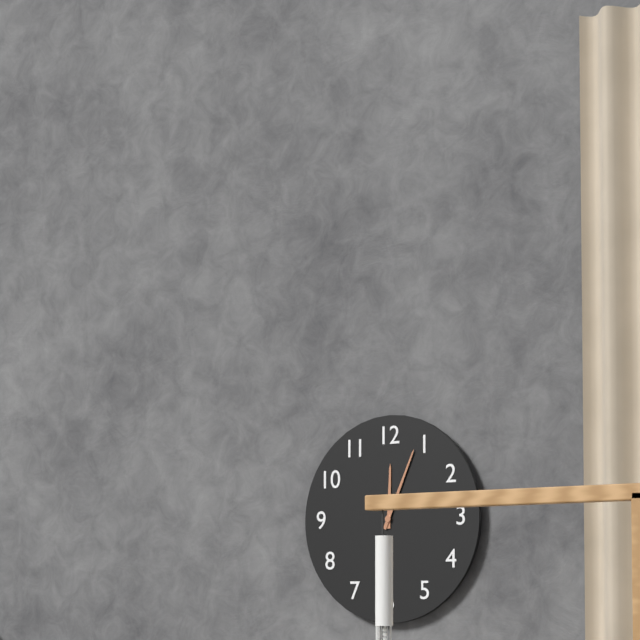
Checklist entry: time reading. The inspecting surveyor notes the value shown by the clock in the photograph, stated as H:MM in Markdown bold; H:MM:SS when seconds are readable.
**12:04**
